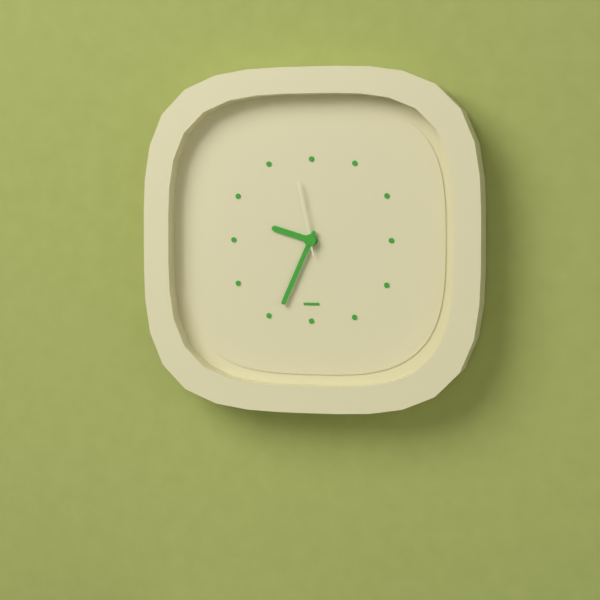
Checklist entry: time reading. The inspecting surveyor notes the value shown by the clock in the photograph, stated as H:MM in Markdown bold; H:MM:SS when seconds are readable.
**9:34:58**
